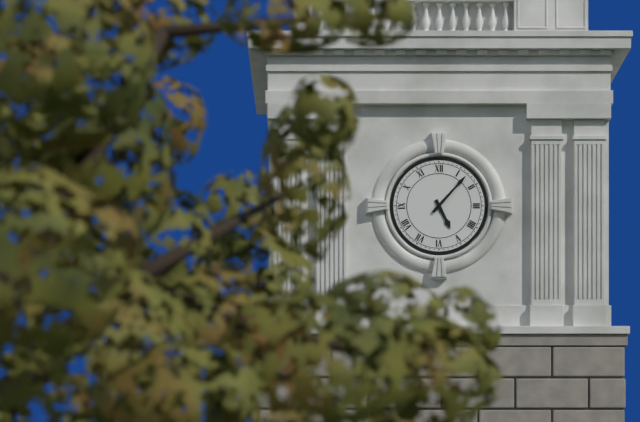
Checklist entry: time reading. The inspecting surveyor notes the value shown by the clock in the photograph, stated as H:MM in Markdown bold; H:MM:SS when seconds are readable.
**5:07**
